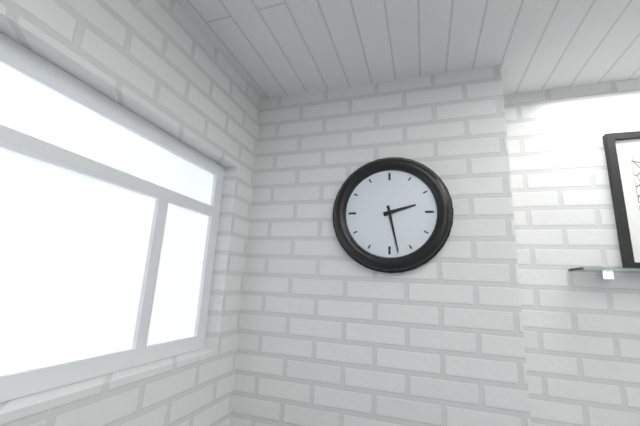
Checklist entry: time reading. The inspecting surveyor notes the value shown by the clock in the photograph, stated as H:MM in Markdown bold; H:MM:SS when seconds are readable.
**2:28**
